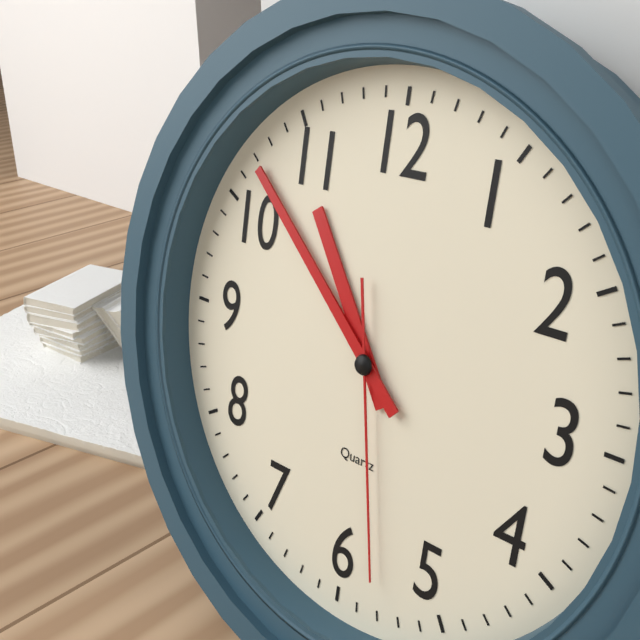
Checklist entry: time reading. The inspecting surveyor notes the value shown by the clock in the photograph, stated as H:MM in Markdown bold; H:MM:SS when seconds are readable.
**10:52:28**
